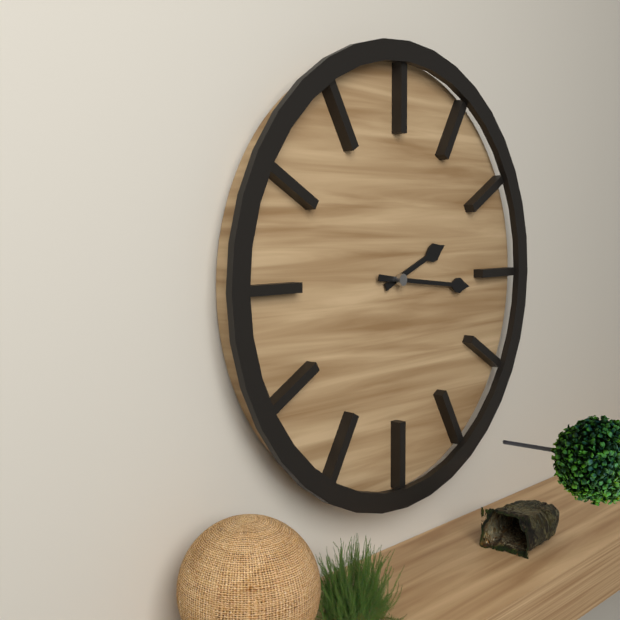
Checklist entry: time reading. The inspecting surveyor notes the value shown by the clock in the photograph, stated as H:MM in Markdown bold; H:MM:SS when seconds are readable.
**2:16**
